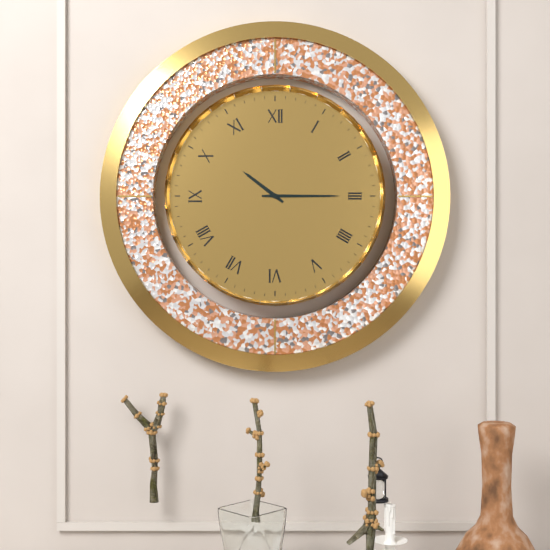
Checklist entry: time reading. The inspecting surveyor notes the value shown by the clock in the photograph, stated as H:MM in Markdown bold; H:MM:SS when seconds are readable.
**10:15**
